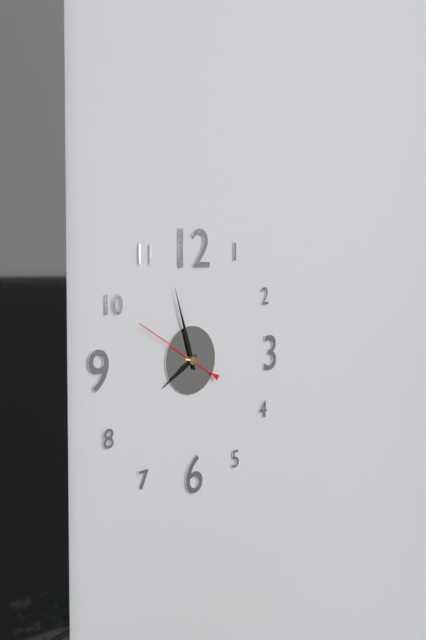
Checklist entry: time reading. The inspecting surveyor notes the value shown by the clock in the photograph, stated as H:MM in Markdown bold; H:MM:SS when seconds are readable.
**7:57:50**
